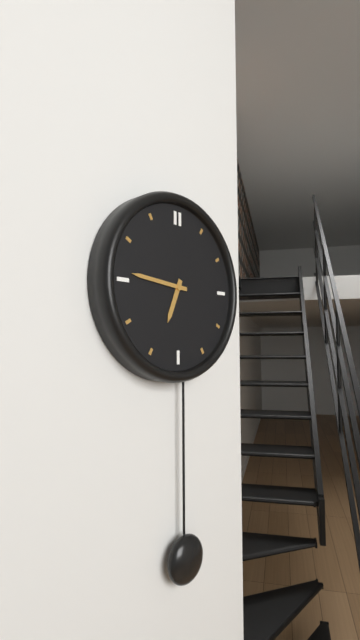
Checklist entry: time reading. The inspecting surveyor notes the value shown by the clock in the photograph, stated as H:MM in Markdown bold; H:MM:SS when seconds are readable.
**6:46**
